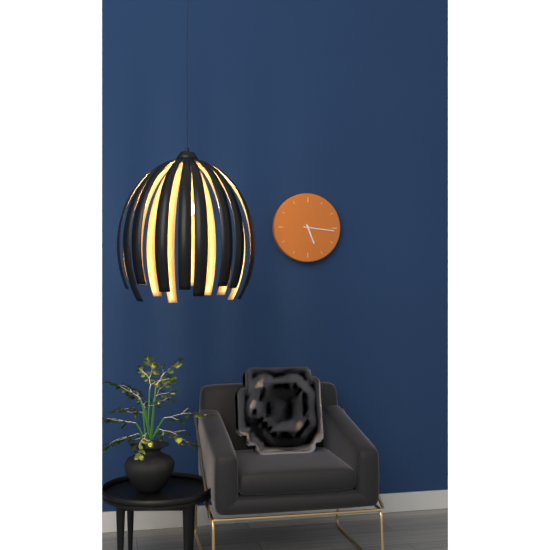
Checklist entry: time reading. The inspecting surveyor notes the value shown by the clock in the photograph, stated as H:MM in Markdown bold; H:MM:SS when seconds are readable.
**5:16**
